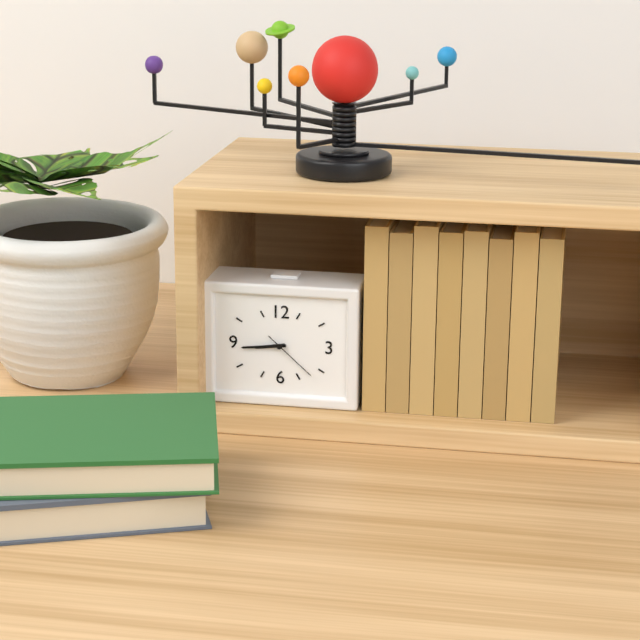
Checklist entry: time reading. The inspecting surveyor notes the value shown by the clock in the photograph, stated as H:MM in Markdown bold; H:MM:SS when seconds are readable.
**8:44:22**
